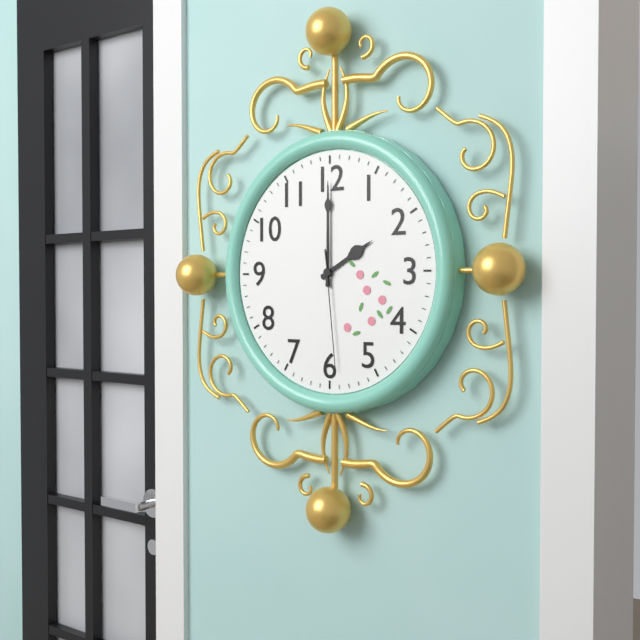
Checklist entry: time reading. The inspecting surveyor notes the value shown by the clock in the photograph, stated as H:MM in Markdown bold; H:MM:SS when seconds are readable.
**2:00:29**
